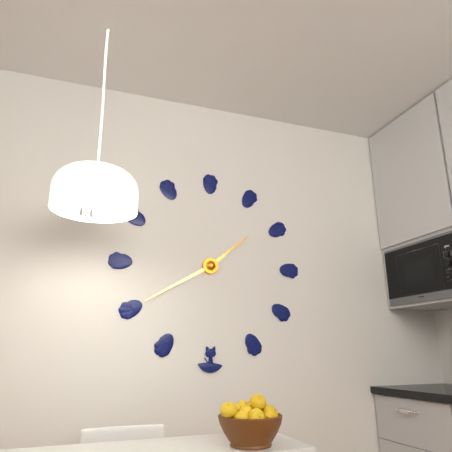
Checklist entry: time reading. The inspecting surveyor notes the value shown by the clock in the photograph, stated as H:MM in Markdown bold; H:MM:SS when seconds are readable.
**1:40**
